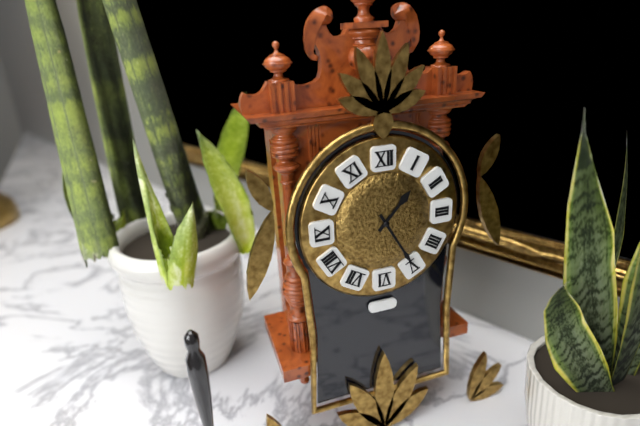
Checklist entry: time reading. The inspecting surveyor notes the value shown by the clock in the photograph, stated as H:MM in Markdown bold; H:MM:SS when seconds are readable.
**1:25**
